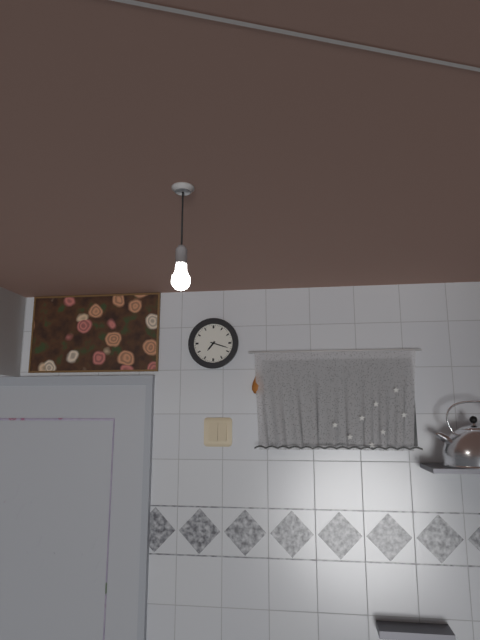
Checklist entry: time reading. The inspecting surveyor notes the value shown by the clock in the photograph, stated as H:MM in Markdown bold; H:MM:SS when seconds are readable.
**7:18**
